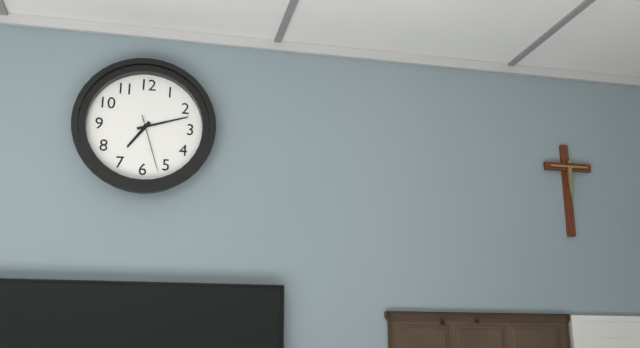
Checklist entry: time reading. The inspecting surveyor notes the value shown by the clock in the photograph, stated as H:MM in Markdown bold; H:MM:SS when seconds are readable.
**7:12:27**
